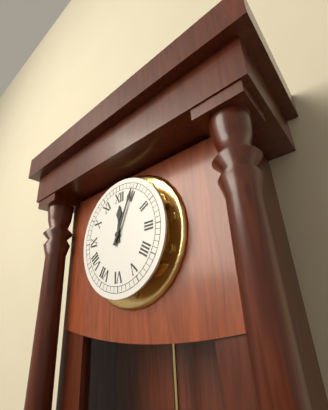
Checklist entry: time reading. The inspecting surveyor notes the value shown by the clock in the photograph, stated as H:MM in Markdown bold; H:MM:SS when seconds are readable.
**12:04**
